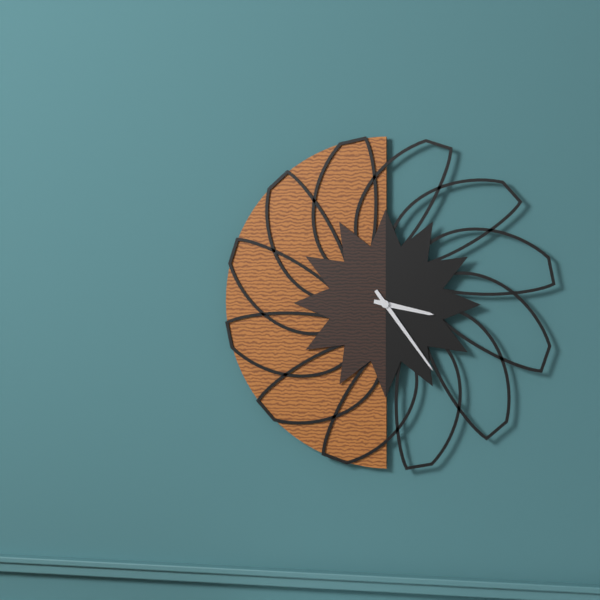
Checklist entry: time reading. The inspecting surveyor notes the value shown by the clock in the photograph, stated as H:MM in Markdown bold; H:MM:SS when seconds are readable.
**3:24**
